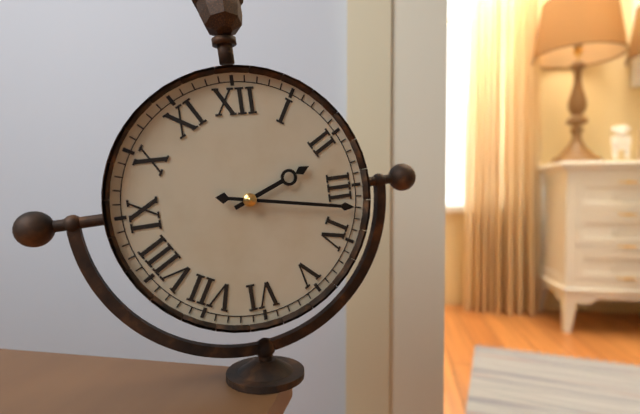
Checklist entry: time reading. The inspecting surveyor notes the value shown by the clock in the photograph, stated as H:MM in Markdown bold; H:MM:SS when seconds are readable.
**2:17**
